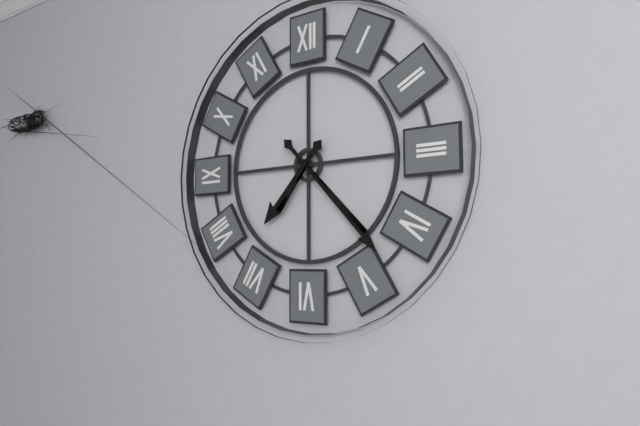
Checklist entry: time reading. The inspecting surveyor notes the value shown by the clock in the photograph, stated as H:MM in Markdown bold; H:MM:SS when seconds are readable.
**7:23**
